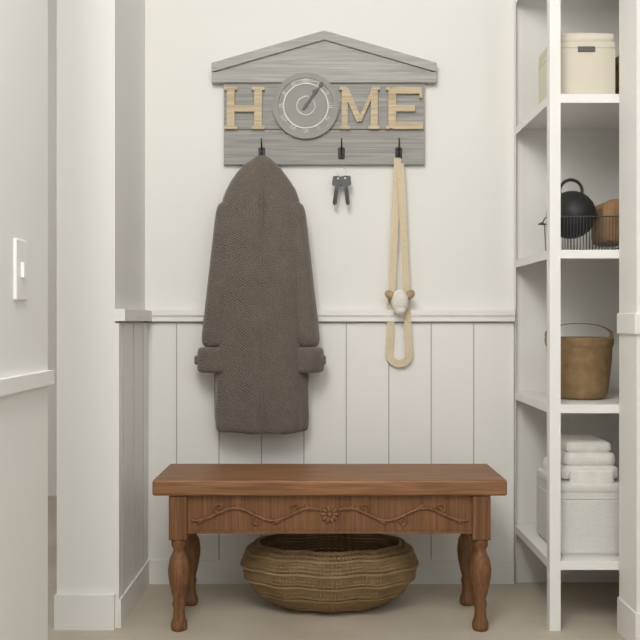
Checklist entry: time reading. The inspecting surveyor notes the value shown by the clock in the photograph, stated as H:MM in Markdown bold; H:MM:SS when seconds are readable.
**1:06**
